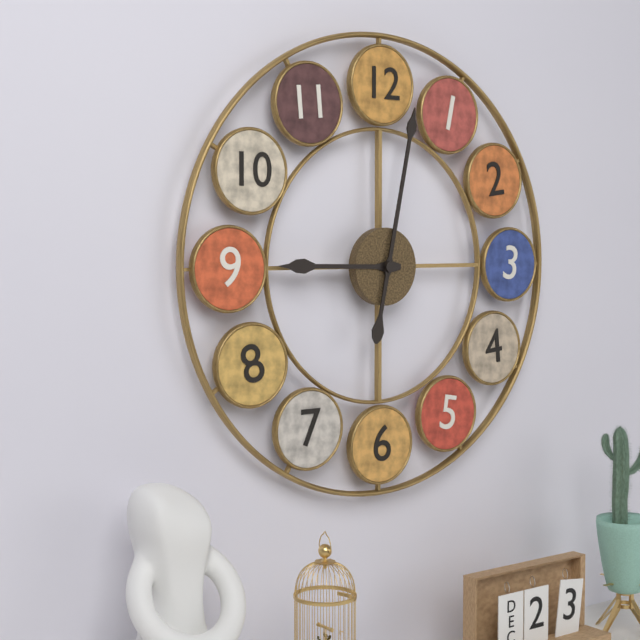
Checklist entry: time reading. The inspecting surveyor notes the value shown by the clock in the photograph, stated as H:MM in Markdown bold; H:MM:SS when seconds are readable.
**9:02**
